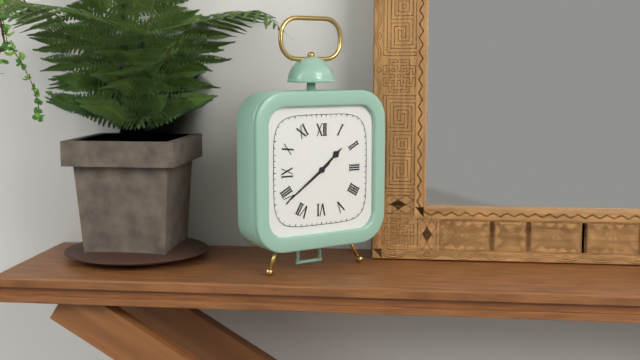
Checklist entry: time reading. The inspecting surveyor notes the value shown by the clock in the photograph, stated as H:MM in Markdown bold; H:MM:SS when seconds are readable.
**1:39**
